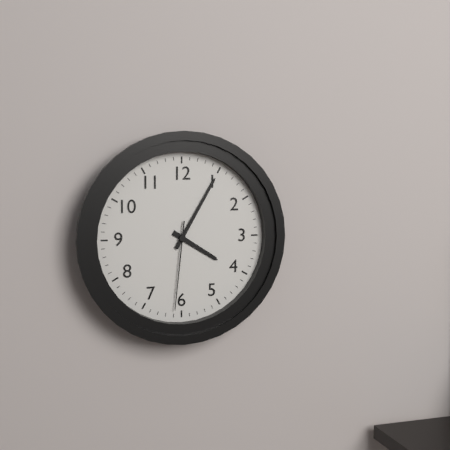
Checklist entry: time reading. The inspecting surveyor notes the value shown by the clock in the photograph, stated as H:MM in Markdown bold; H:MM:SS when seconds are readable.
**4:05:31**
